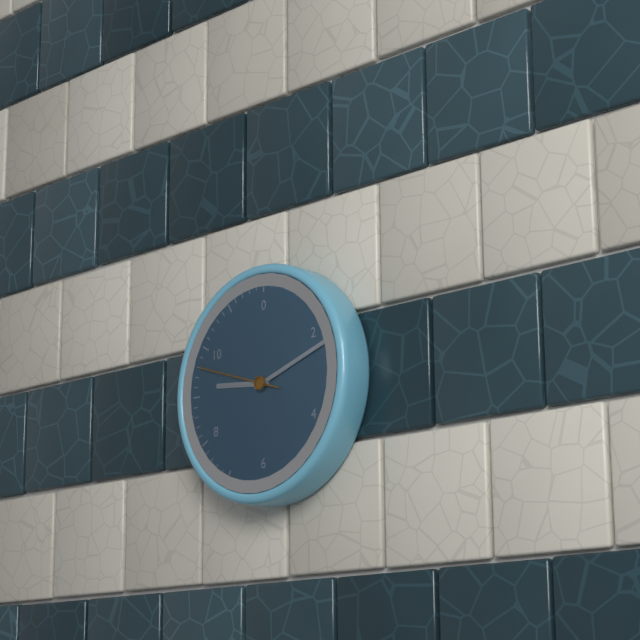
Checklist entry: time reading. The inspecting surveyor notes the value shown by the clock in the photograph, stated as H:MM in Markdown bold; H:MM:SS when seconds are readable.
**9:12:48**
